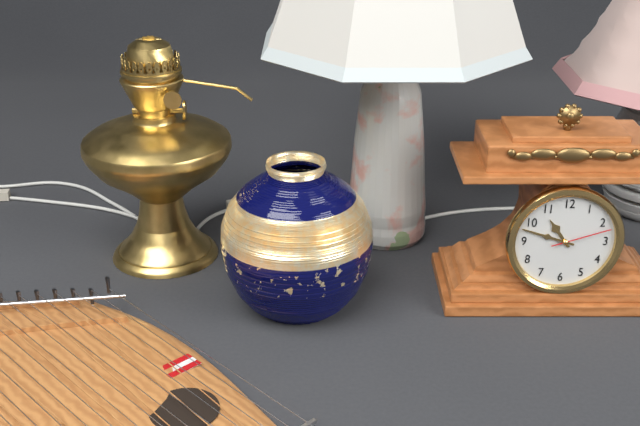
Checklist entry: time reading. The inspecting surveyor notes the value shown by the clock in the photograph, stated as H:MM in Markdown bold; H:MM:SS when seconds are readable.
**10:48:12**
